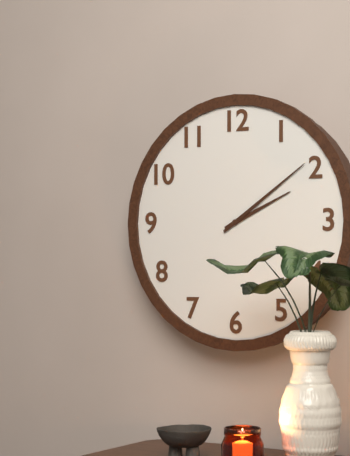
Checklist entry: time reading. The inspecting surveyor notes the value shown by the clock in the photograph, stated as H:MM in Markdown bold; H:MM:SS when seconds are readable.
**2:09**
